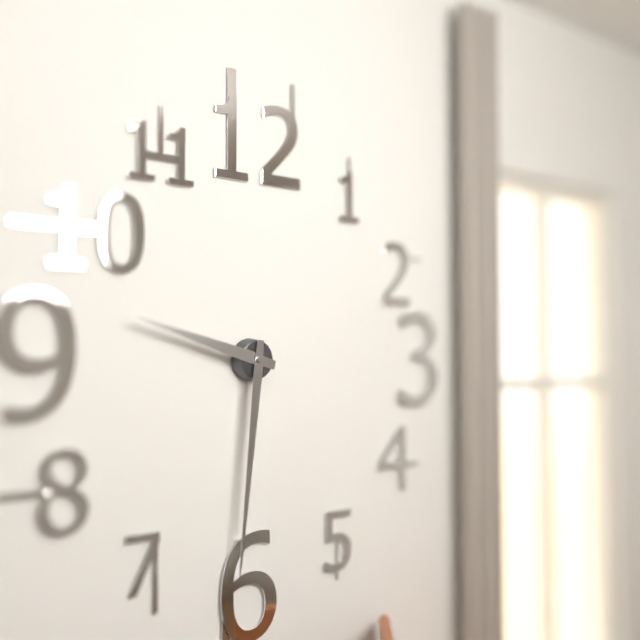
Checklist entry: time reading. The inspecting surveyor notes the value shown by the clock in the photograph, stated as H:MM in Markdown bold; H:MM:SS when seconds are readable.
**9:31**
